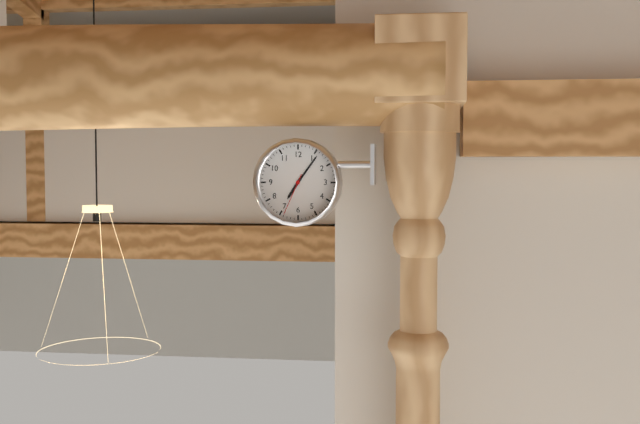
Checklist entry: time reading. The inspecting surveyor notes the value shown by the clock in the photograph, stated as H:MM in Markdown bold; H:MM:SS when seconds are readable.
**7:06**
